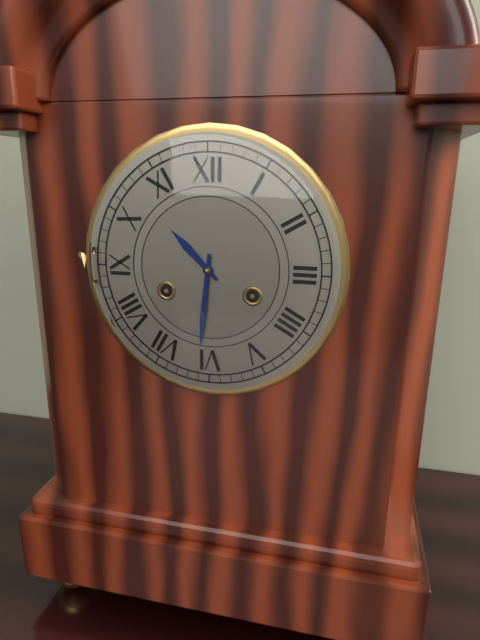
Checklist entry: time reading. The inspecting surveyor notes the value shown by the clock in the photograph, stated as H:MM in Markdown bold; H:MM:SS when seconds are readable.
**10:31**
